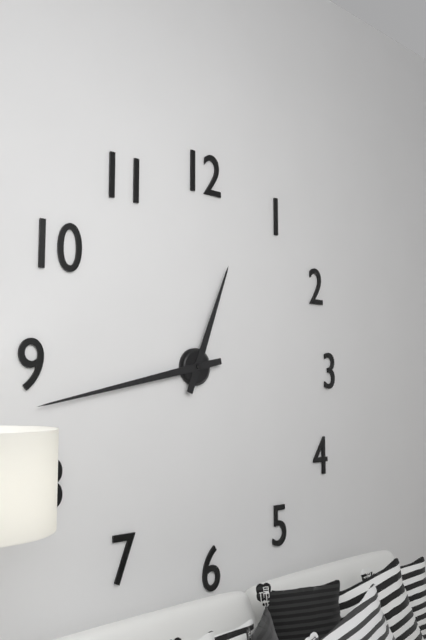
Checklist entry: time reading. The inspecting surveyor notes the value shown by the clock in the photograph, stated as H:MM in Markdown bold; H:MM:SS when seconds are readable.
**12:43**
